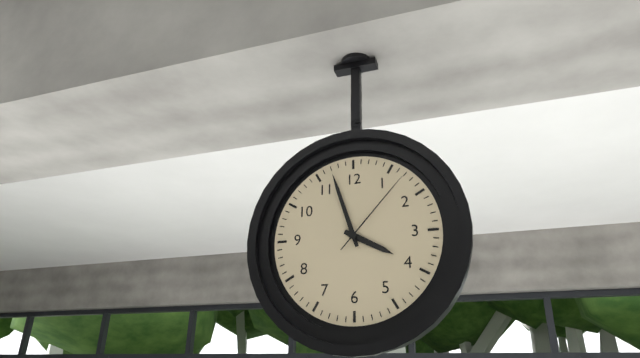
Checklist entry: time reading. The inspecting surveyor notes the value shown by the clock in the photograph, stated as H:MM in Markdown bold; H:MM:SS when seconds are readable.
**3:57:07**
